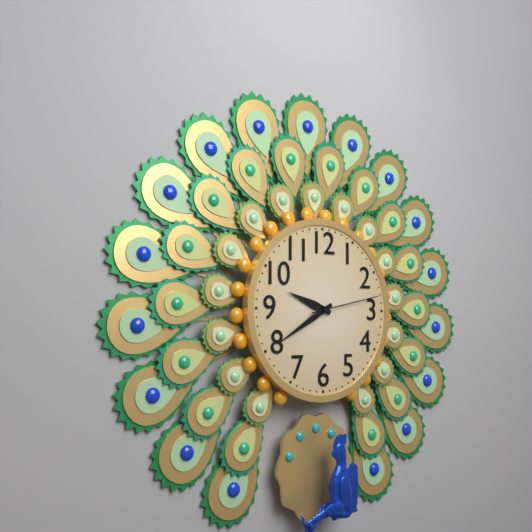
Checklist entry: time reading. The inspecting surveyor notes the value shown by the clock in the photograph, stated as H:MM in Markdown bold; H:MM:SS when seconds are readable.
**9:40:13**
